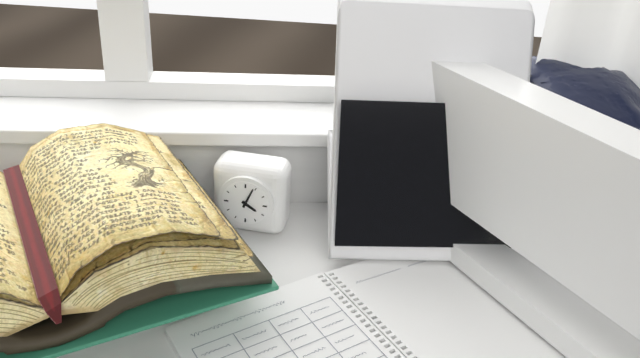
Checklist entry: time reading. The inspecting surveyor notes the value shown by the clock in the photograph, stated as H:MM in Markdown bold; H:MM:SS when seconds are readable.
**4:04**
